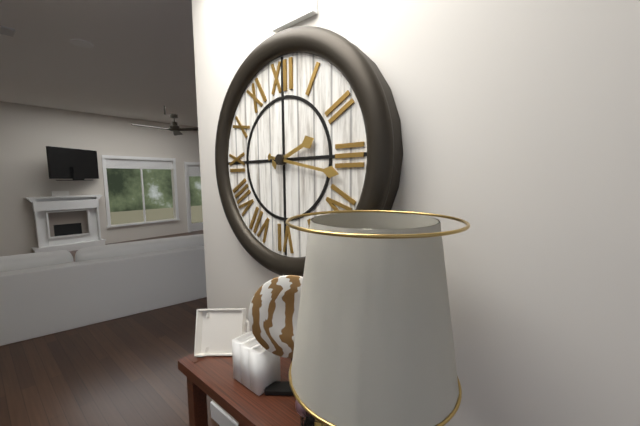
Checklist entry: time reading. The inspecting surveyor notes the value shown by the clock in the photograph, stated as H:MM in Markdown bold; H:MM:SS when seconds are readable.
**2:17**
